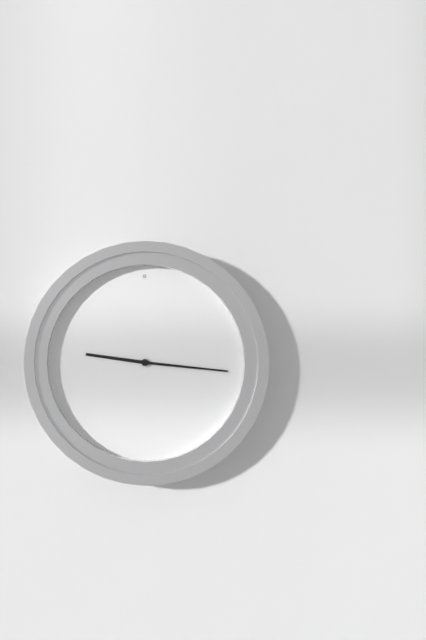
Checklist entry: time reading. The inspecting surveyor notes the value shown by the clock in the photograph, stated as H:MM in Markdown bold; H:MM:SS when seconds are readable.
**9:16**
